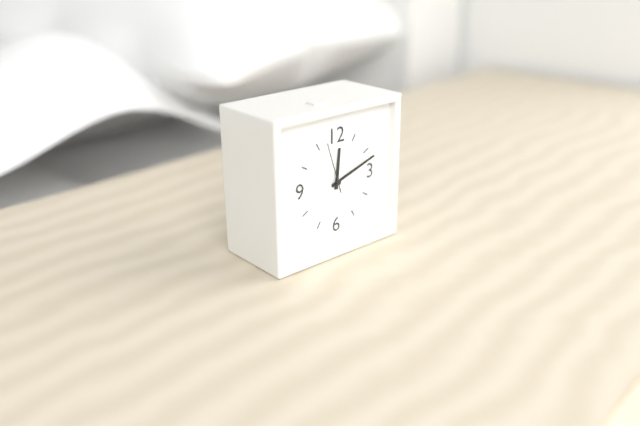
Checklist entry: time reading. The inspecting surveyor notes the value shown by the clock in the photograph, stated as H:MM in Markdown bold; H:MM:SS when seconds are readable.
**12:12:57**
